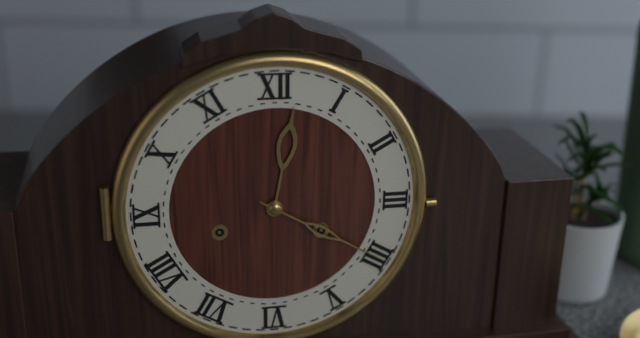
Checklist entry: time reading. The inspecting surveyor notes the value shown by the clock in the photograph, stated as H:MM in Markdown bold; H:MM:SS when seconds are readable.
**12:20**
